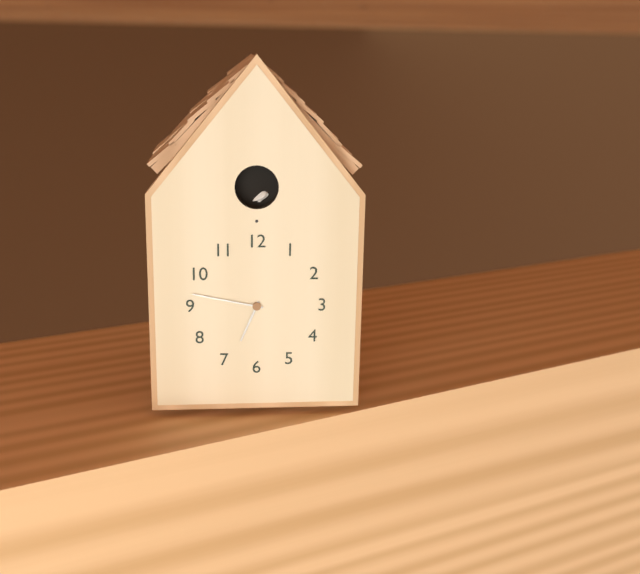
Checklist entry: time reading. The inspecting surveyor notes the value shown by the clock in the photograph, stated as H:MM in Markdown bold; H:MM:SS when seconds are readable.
**6:47**
